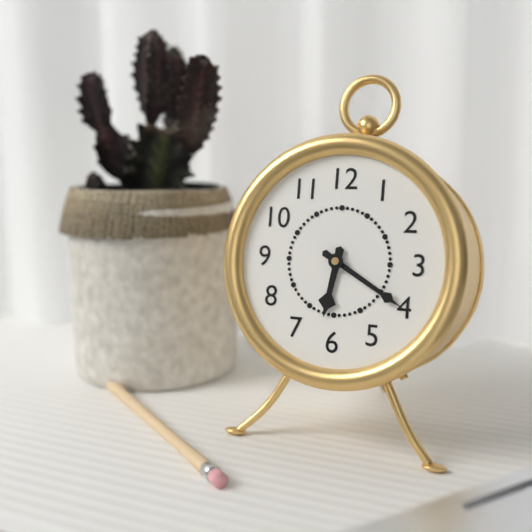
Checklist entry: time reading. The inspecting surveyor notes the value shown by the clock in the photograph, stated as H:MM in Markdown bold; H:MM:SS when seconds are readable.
**6:20**
